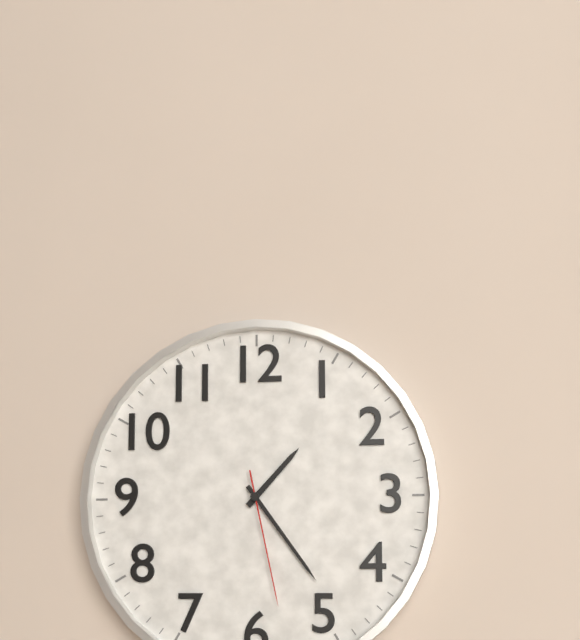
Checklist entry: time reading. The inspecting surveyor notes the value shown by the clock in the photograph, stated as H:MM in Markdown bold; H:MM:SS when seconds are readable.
**1:24:28**
